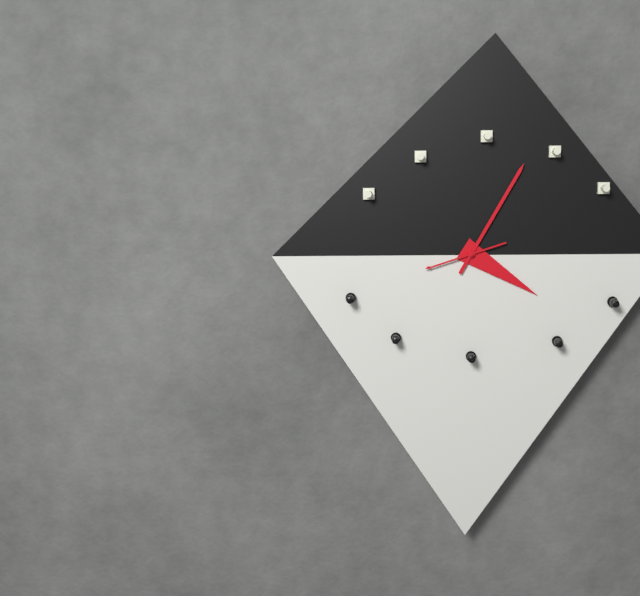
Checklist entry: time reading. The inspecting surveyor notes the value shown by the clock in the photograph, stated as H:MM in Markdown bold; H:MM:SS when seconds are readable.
**4:05:42**
